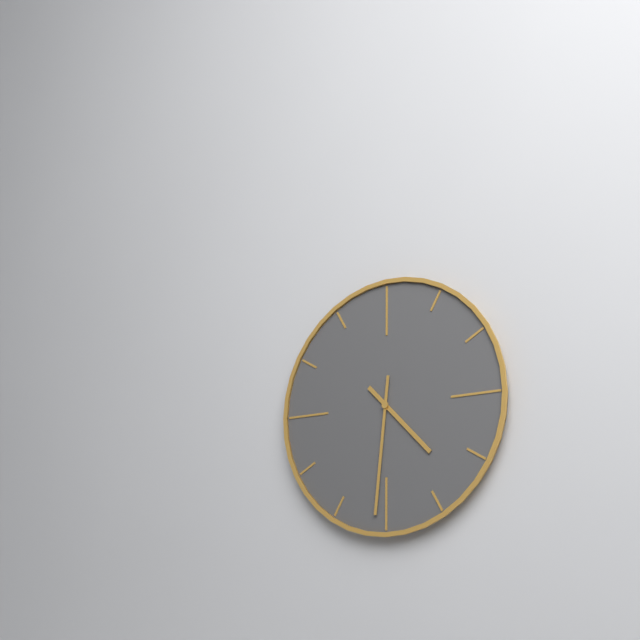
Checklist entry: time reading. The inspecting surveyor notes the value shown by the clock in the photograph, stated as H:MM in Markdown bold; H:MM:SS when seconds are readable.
**4:31**
